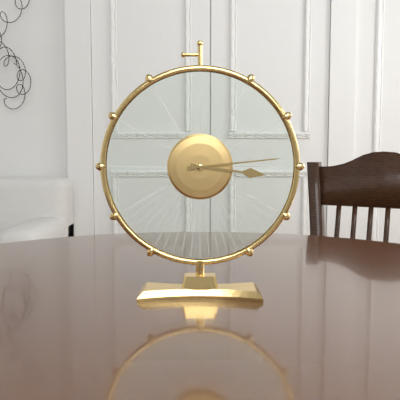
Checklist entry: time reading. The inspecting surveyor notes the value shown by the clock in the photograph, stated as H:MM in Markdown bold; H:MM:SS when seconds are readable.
**3:14**
